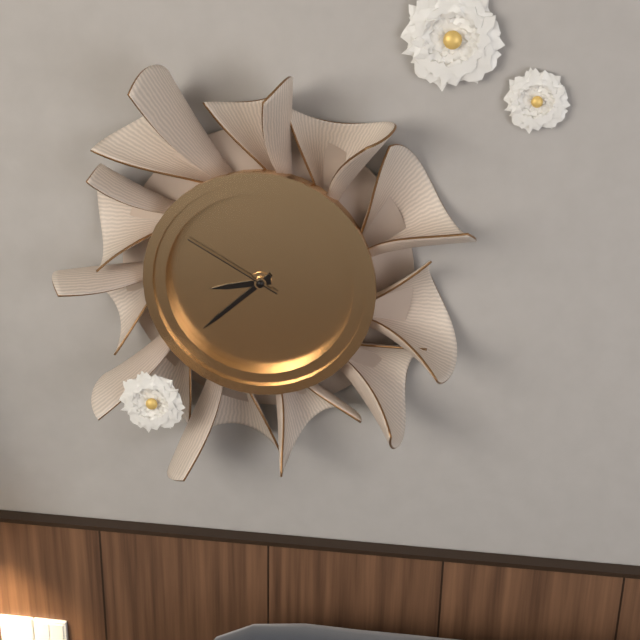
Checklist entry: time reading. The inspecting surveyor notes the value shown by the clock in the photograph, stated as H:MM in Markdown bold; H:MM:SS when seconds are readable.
**8:38:50**
